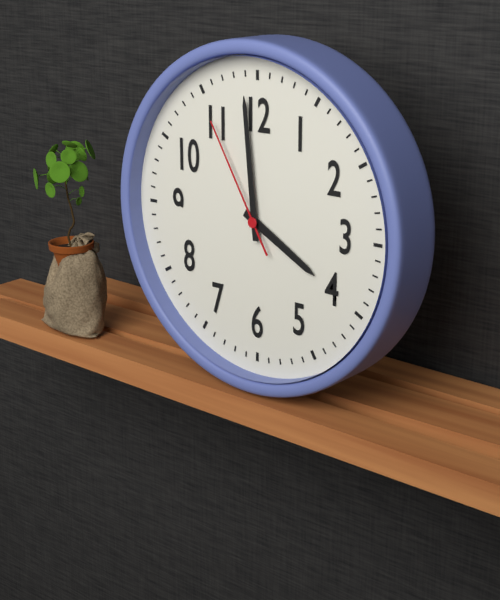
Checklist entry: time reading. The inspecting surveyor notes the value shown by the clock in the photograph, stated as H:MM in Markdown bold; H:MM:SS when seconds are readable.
**3:59:55**
